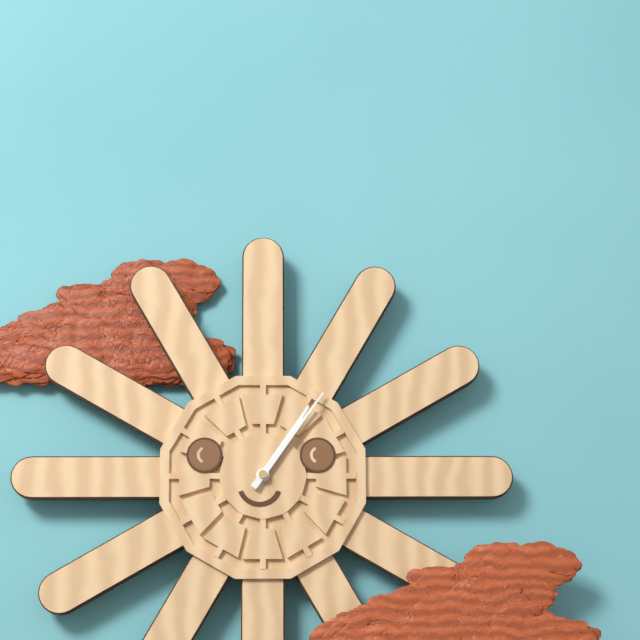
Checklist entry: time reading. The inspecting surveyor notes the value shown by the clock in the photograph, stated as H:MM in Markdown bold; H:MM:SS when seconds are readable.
**1:06**
